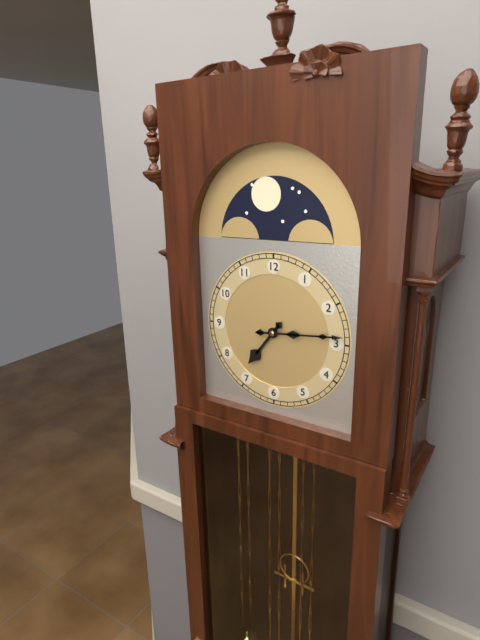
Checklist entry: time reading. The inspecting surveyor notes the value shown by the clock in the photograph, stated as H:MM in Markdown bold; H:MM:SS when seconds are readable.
**7:14**
